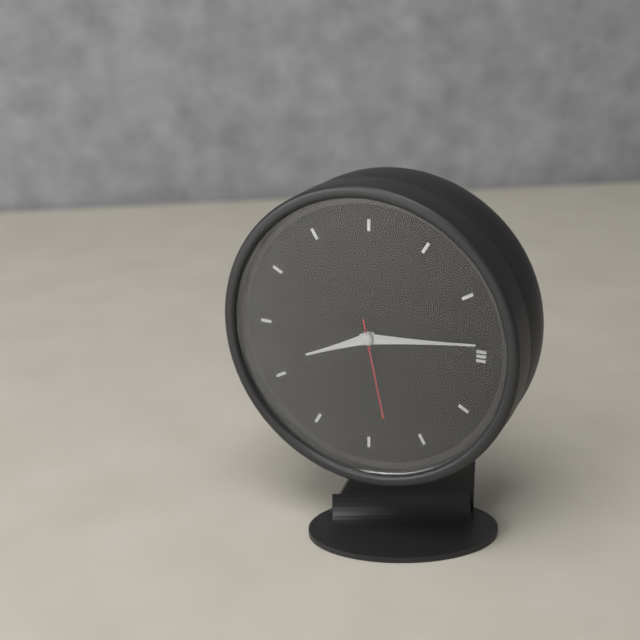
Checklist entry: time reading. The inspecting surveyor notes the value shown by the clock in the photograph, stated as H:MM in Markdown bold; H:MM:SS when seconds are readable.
**8:14:28**
